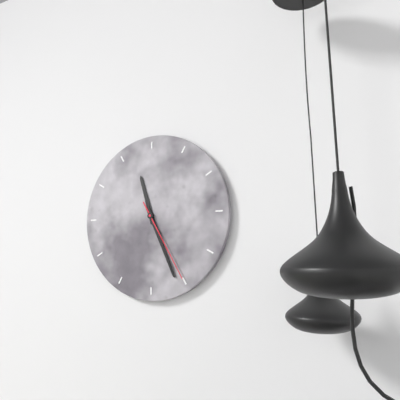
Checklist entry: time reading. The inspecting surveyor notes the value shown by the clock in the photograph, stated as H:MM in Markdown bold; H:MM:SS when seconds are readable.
**11:26:25**
